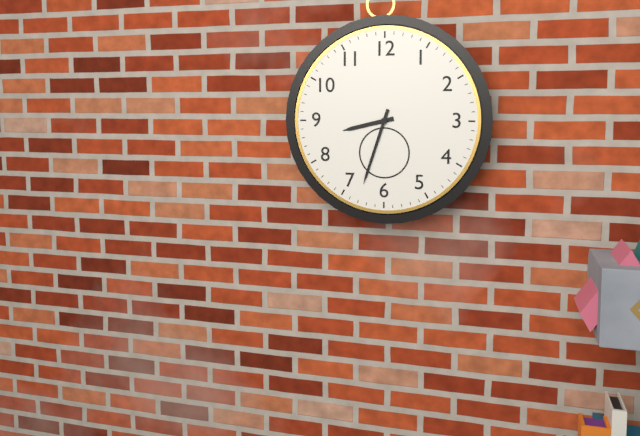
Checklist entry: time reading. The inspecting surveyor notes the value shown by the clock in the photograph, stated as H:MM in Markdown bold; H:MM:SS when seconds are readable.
**8:33**
